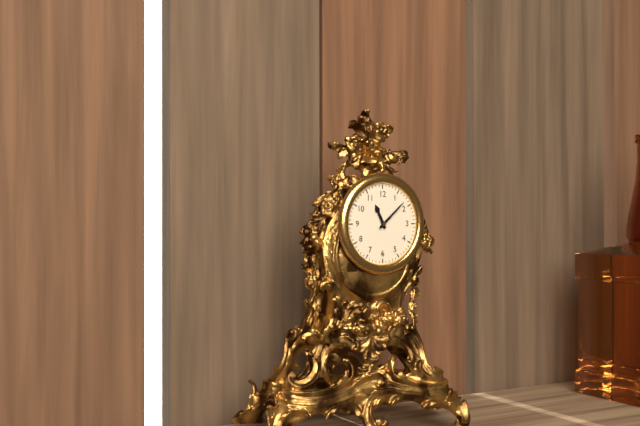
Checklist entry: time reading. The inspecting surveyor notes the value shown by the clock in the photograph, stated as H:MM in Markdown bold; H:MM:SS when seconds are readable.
**11:08**
